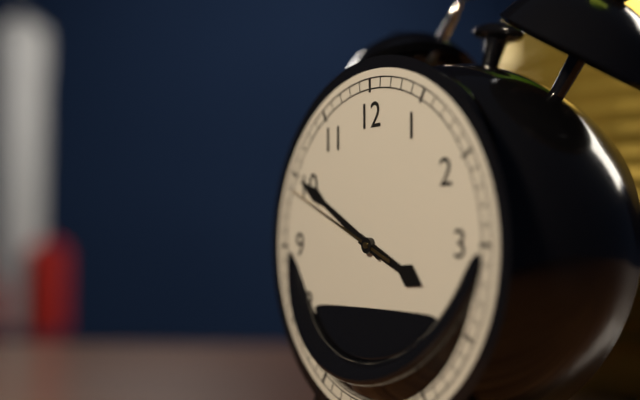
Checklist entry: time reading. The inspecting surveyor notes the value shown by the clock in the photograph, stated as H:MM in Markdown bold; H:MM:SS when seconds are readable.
**3:50:49**
